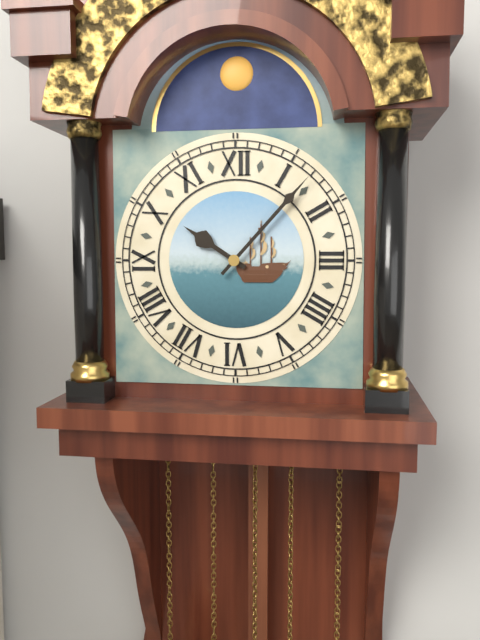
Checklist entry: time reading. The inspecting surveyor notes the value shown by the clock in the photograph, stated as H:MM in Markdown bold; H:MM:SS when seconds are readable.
**10:07**
